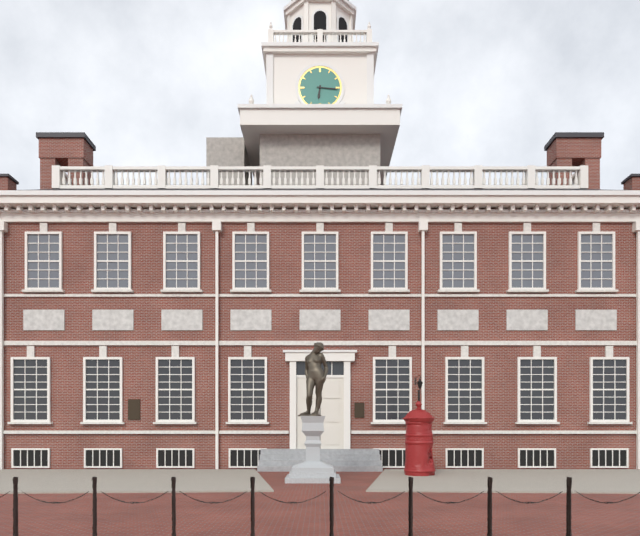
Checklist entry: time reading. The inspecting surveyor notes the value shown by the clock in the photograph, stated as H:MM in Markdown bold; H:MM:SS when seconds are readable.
**6:16**
